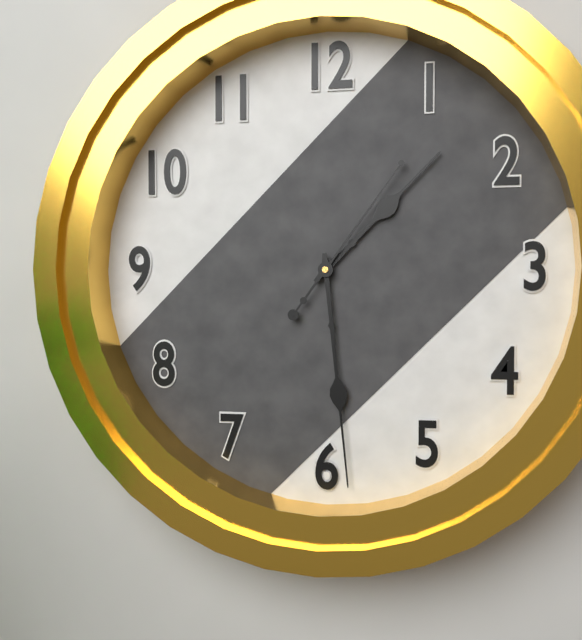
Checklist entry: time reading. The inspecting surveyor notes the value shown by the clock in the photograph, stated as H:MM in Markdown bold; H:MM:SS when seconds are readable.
**1:29:06**
